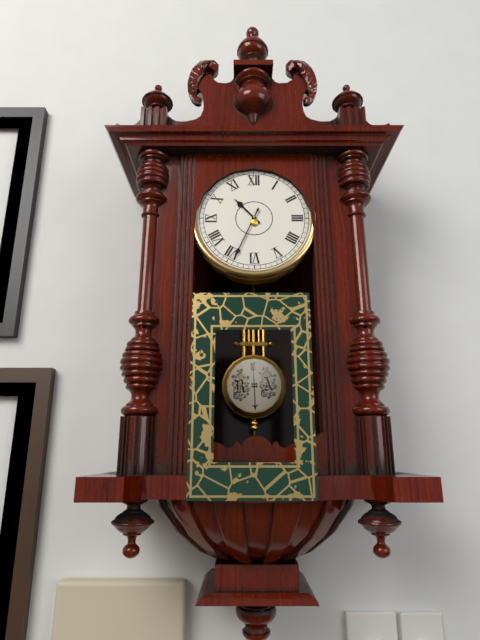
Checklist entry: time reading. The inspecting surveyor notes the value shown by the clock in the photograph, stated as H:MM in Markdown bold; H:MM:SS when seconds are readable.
**10:34**
